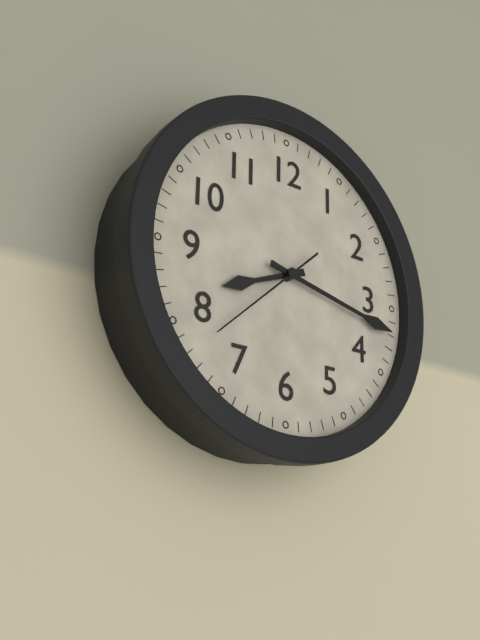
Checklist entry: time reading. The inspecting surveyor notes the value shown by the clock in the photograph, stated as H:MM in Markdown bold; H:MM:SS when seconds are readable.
**8:17:38**
